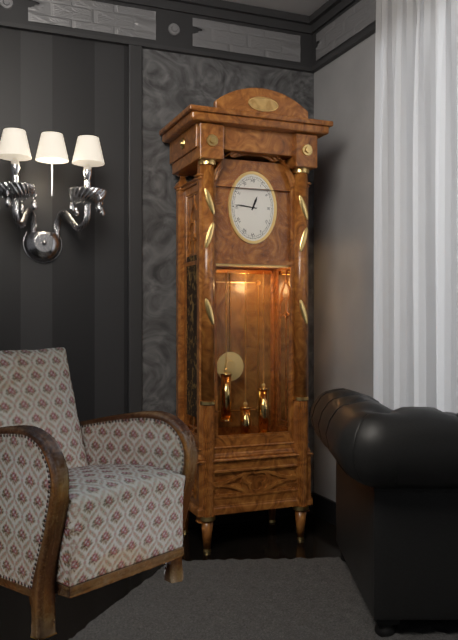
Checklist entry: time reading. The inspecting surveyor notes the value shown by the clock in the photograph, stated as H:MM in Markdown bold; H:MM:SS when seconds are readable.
**12:46**
